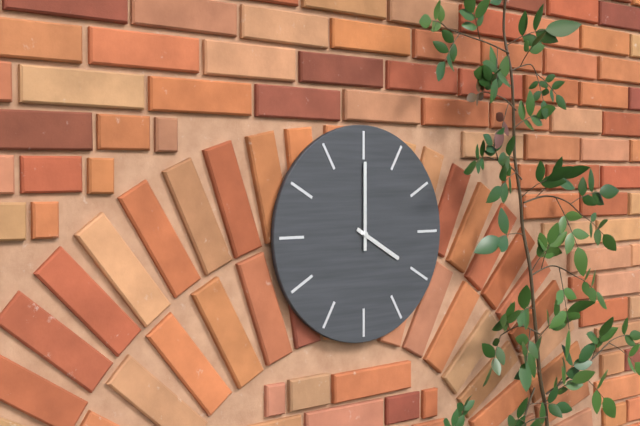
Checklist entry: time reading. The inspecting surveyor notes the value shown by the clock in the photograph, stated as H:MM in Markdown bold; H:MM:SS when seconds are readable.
**4:00**
